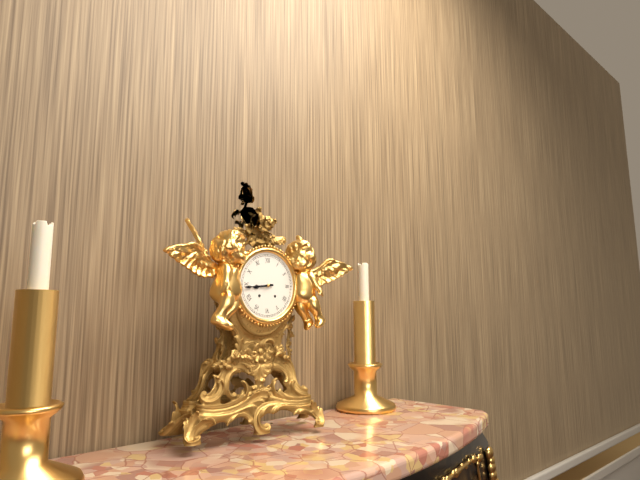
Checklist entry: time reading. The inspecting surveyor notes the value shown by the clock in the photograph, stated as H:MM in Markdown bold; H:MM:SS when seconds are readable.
**8:44**
